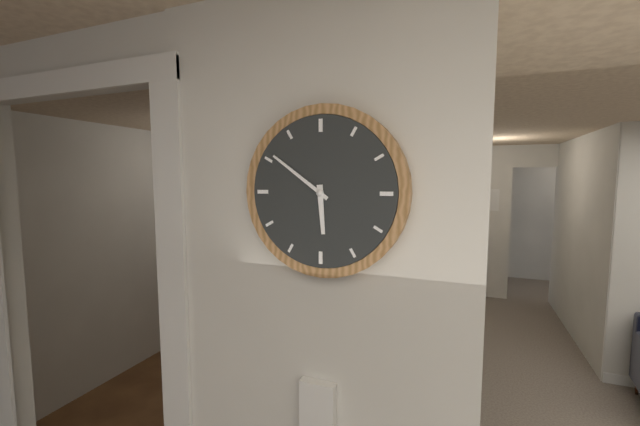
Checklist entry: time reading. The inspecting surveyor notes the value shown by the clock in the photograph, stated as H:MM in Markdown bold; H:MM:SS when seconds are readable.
**5:51**
